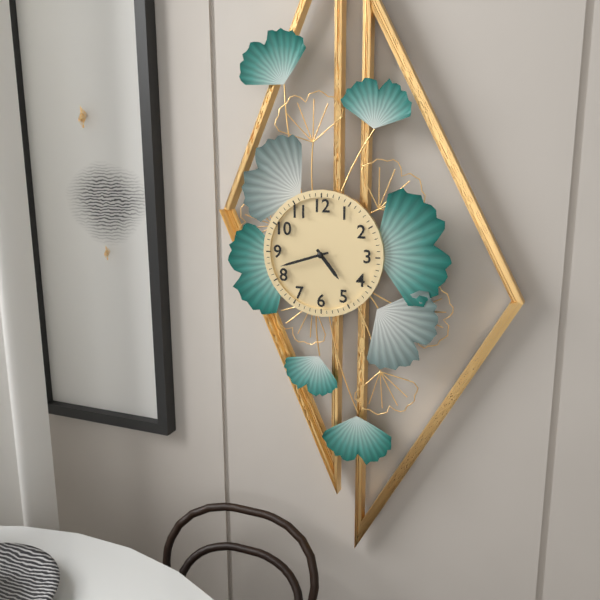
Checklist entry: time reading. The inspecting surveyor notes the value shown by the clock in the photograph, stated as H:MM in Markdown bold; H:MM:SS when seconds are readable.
**4:42**
